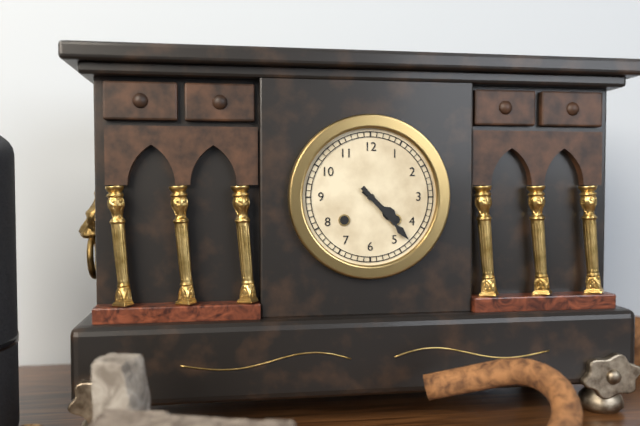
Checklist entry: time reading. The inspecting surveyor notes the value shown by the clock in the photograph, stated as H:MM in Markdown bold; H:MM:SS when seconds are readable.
**4:23**
